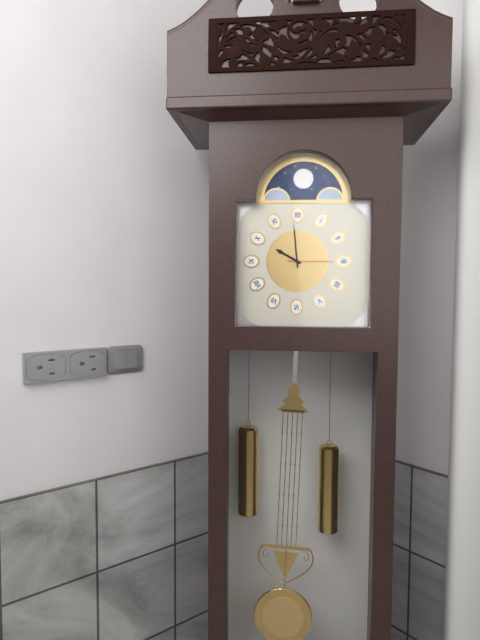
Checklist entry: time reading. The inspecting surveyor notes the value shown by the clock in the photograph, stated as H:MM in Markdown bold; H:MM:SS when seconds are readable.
**9:59**
